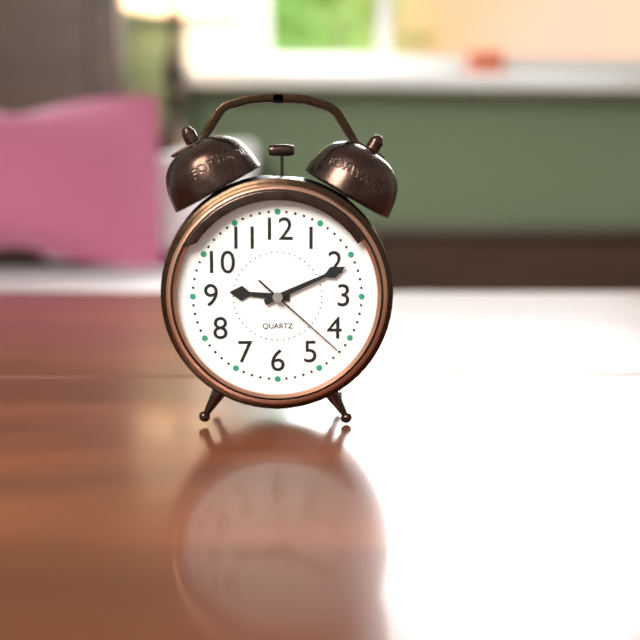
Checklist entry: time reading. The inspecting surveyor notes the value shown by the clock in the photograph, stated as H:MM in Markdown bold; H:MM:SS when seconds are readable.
**9:11:22**
